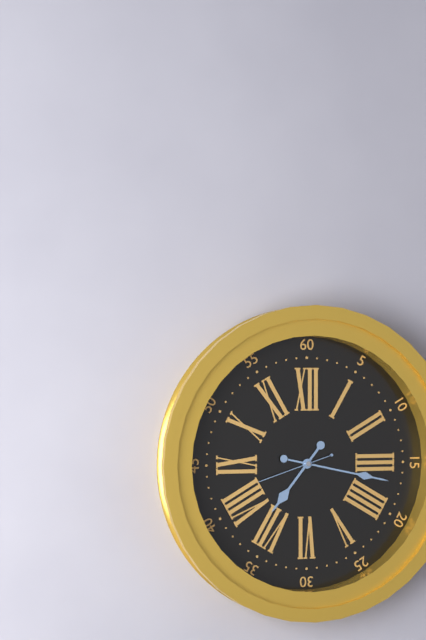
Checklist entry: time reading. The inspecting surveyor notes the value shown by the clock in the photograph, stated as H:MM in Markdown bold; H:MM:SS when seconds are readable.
**7:17:42**
